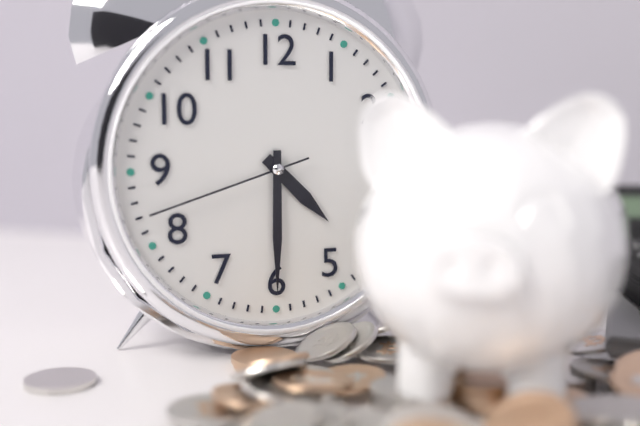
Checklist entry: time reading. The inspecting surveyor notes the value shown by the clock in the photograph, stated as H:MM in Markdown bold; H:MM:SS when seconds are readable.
**4:30:42**
